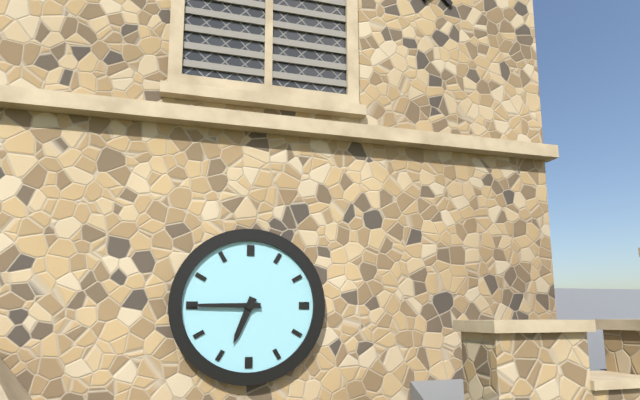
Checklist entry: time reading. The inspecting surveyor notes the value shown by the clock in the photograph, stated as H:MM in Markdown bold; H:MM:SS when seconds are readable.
**6:45**
